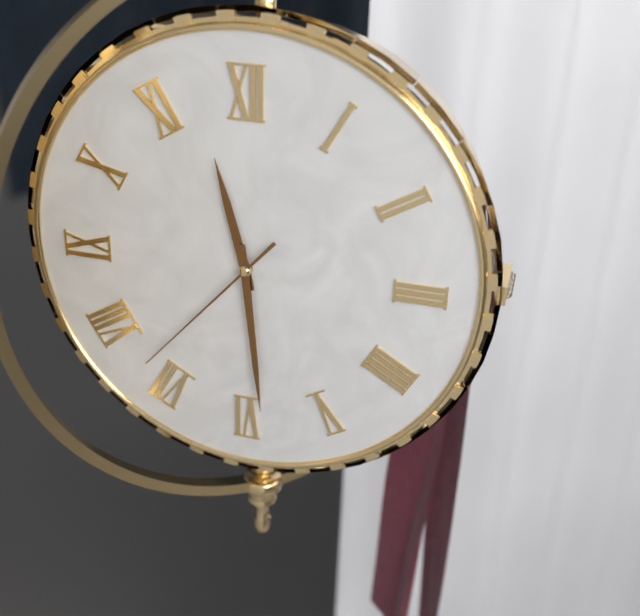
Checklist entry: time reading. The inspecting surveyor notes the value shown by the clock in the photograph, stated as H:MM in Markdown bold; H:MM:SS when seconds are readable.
**11:29:37**
